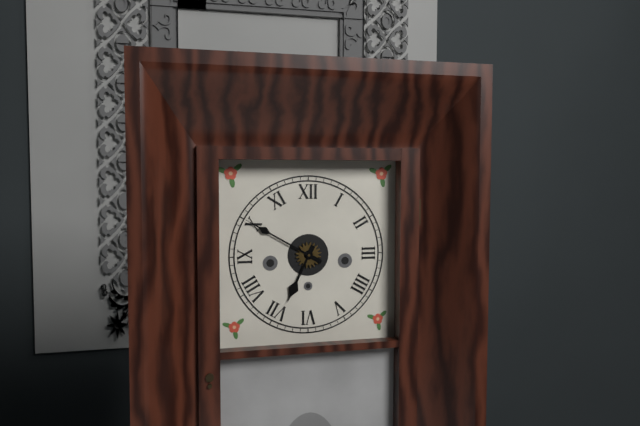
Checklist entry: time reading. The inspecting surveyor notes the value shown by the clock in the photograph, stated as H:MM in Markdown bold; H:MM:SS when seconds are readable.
**6:50**
